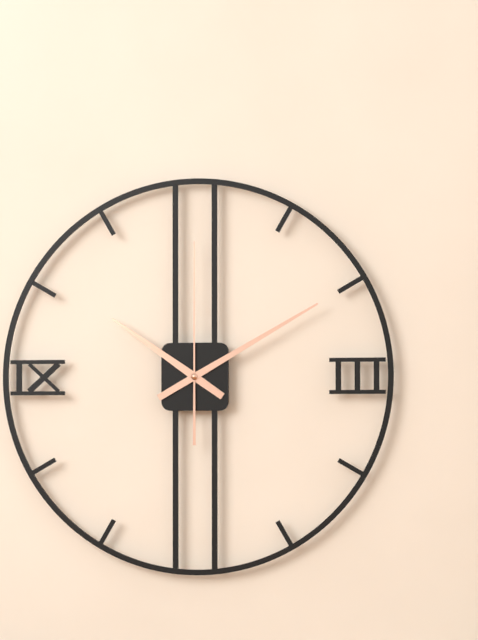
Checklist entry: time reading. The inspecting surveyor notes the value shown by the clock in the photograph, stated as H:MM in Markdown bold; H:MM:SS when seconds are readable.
**10:10:00**
